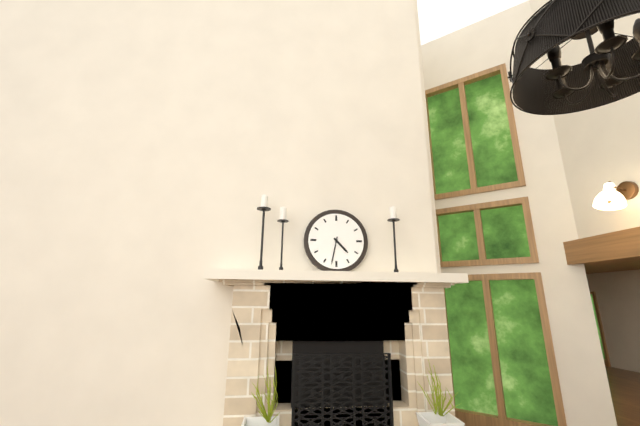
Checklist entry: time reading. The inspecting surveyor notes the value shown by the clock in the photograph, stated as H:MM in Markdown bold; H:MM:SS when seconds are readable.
**4:32**
